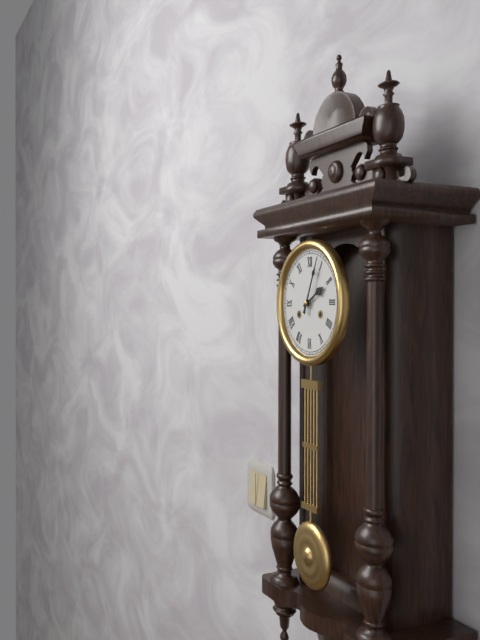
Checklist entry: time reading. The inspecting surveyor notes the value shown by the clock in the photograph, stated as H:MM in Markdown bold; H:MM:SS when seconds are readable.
**2:04**
